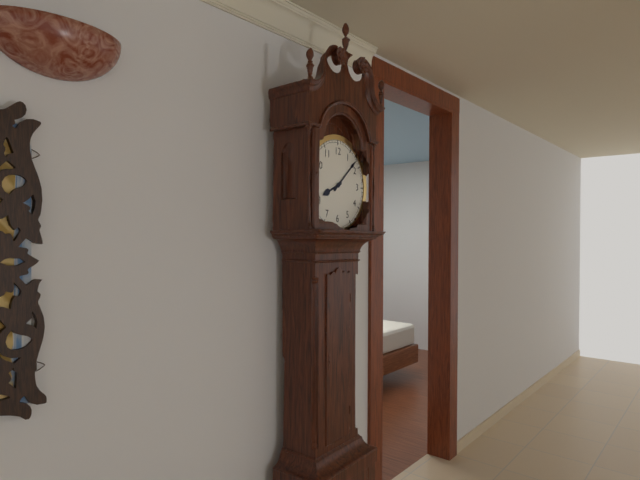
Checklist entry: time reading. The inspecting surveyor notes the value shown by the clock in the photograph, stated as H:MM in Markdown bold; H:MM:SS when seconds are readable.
**8:08**
